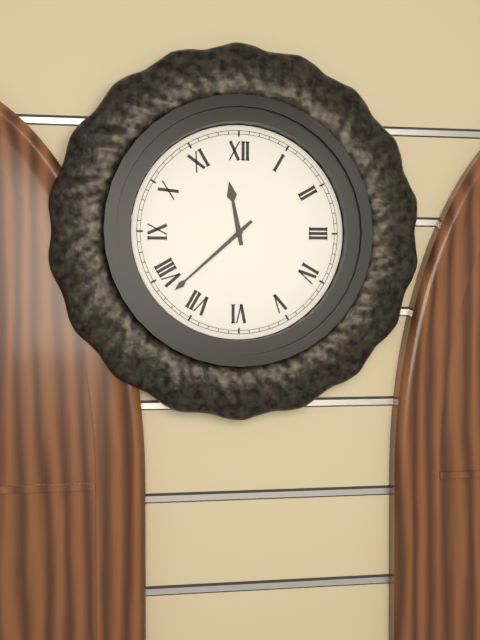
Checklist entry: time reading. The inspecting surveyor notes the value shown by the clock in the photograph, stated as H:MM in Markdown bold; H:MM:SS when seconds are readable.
**11:38**
